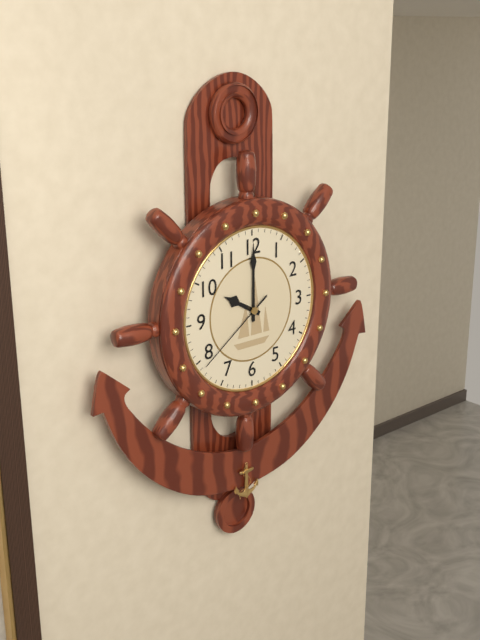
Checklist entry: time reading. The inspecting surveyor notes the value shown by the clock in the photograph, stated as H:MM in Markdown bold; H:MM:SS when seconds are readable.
**10:00:39**
